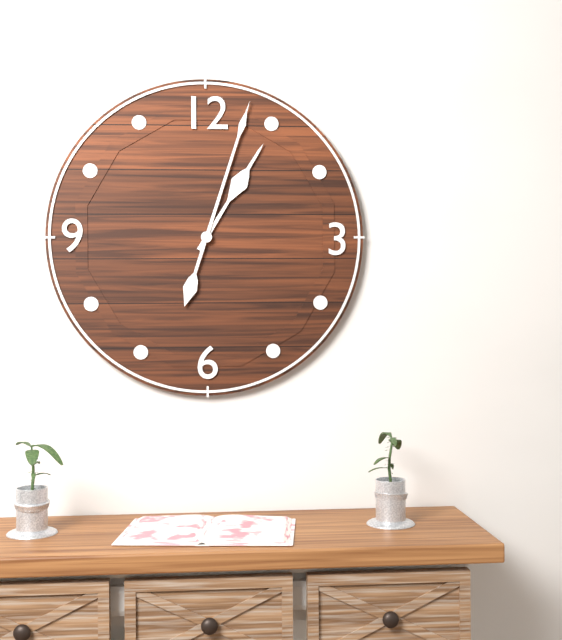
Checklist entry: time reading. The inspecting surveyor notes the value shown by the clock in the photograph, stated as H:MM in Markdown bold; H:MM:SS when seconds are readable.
**1:03**
